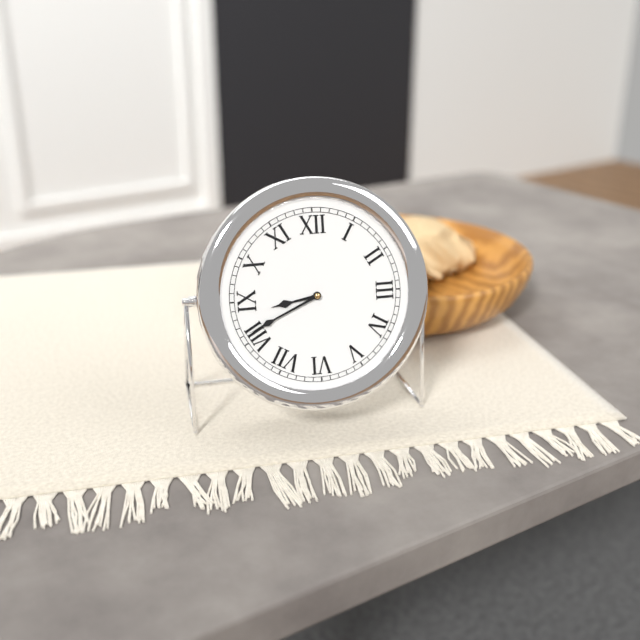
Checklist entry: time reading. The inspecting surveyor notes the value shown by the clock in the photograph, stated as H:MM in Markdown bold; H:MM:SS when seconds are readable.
**8:41**
